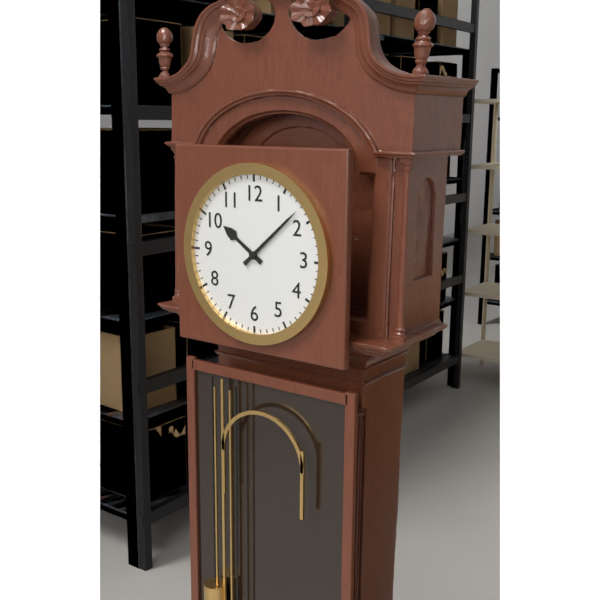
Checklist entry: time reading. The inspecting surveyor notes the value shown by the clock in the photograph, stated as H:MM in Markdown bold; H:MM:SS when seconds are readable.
**10:08**
